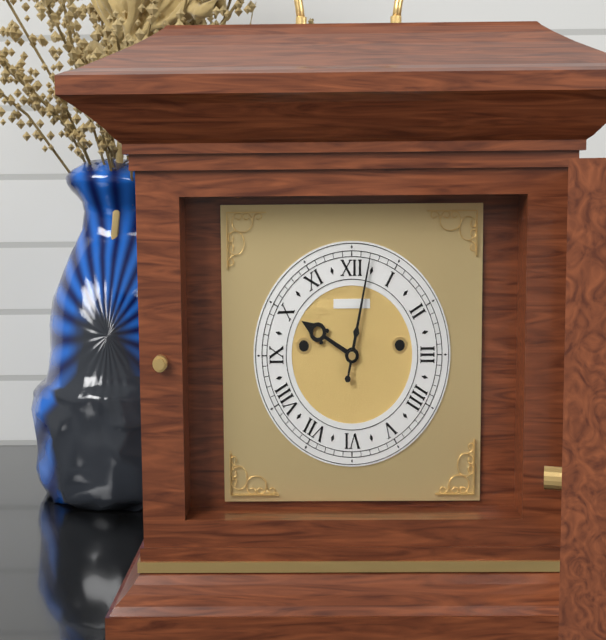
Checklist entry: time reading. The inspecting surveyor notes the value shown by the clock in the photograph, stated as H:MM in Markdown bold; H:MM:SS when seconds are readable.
**10:02**
